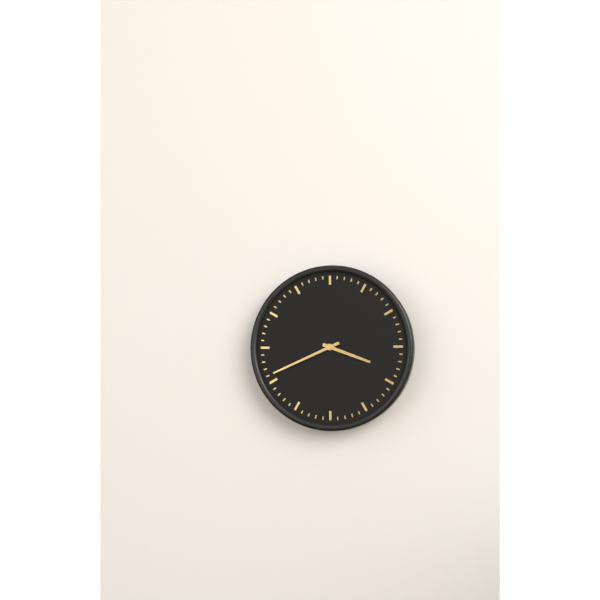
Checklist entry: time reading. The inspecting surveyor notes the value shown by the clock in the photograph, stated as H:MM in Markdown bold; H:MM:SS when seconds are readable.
**3:41**
